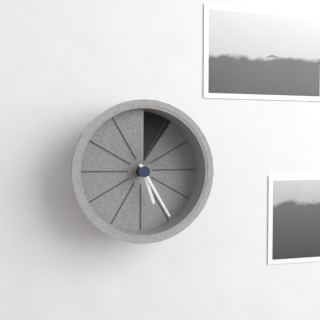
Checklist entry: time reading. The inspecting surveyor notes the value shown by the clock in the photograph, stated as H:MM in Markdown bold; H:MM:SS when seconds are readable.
**5:25**
